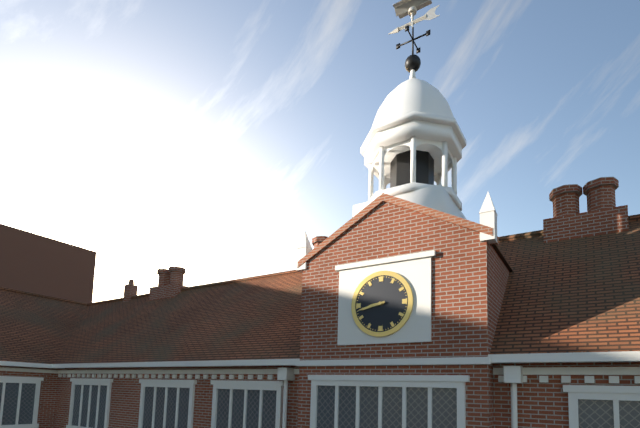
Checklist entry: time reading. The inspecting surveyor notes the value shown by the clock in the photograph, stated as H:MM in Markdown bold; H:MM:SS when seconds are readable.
**8:43**
